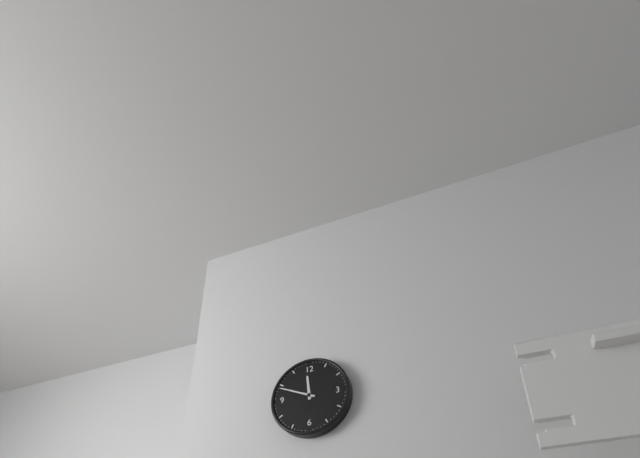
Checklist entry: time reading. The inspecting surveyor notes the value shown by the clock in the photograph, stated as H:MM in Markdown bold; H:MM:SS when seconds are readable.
**11:49**
